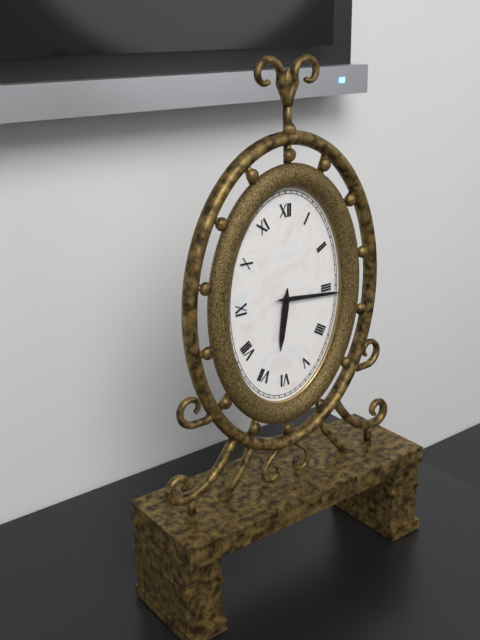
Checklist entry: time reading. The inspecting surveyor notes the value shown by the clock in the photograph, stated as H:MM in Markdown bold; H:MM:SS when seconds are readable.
**6:16**
